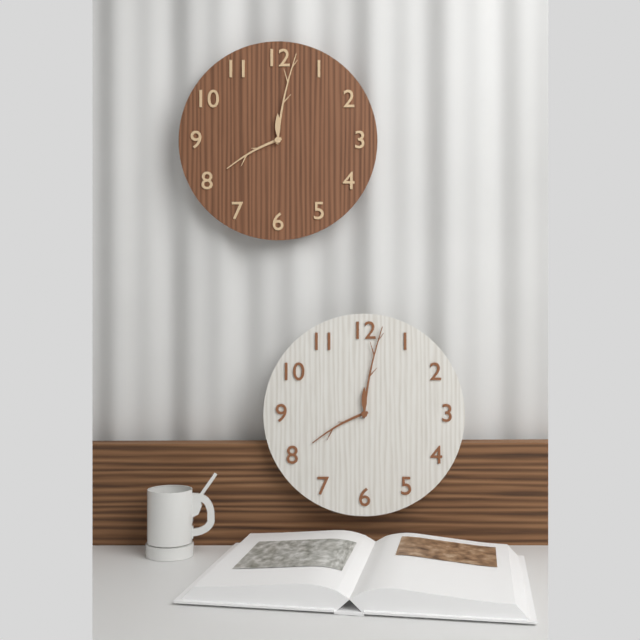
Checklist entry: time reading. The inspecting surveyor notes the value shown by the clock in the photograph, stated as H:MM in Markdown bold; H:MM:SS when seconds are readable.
**8:02**
